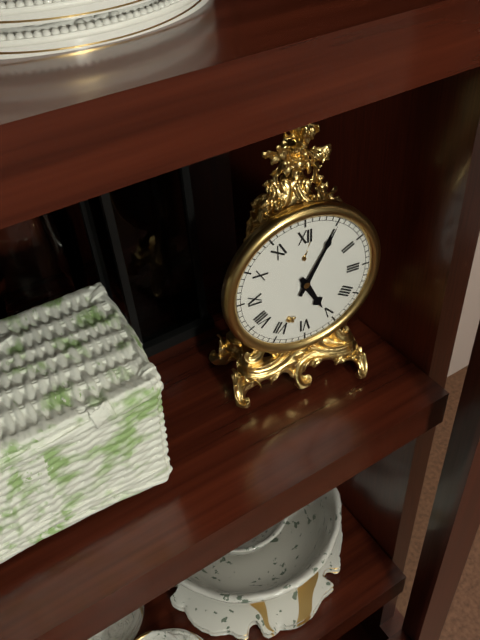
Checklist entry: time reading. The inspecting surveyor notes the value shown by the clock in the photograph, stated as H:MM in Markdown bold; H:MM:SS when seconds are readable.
**5:05**
